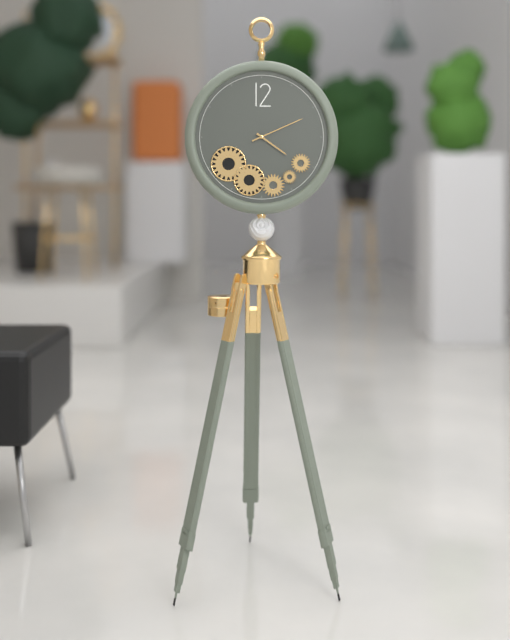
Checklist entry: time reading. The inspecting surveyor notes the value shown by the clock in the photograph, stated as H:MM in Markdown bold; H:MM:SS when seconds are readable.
**4:11**
